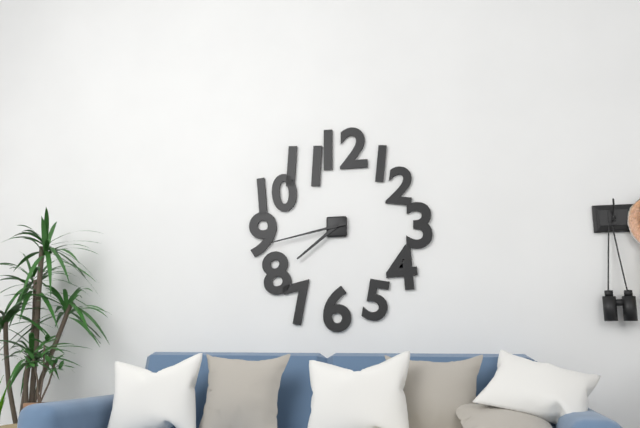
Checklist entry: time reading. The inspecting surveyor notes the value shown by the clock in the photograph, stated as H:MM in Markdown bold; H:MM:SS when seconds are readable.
**7:43**
